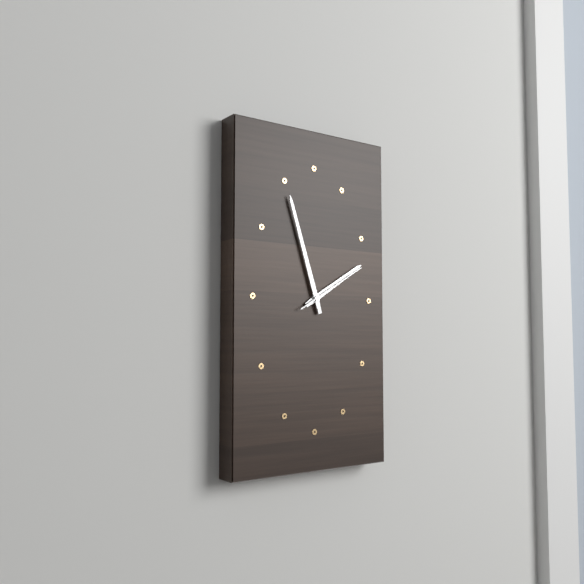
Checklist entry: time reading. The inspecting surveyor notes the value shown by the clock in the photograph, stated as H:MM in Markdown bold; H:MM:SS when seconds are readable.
**1:57:10**
